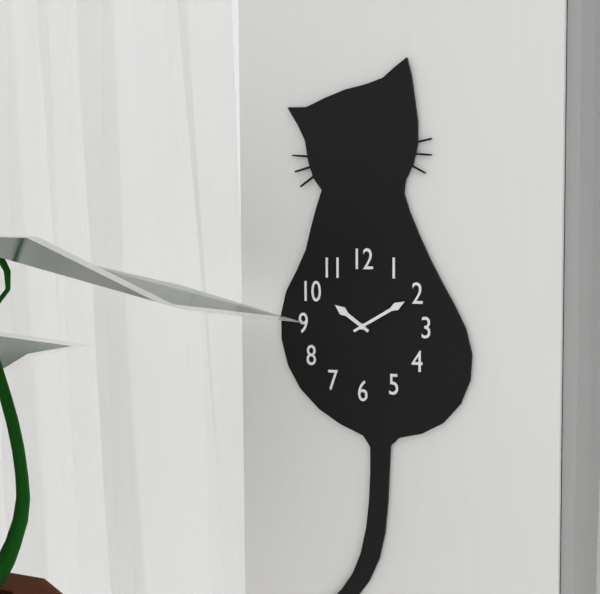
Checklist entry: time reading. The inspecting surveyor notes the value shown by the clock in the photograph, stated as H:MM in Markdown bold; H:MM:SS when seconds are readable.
**10:10**
